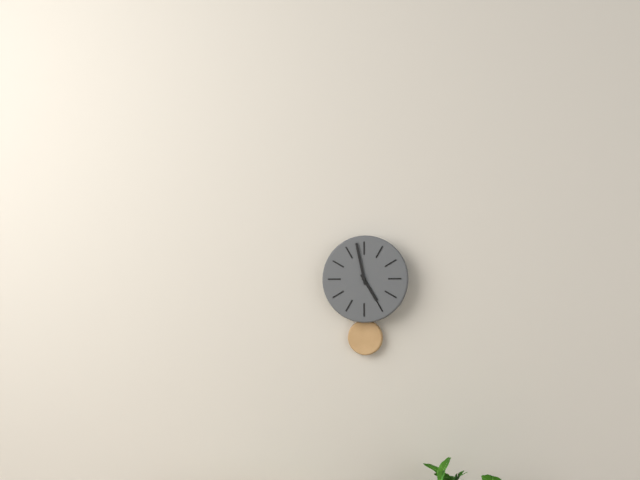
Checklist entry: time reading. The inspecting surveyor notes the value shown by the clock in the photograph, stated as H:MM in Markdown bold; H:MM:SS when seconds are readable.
**4:58**
